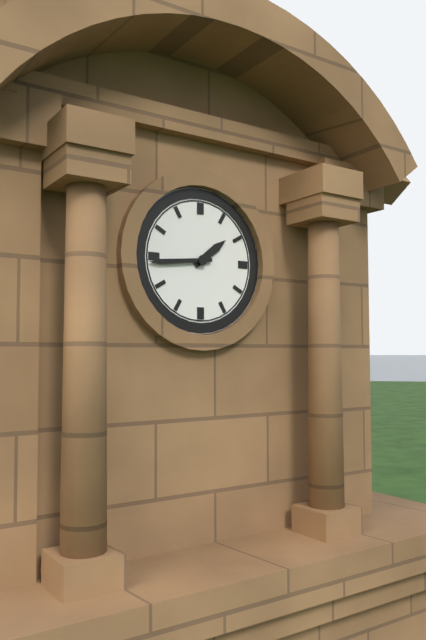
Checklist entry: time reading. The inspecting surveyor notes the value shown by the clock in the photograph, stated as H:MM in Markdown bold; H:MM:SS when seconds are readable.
**1:44**
